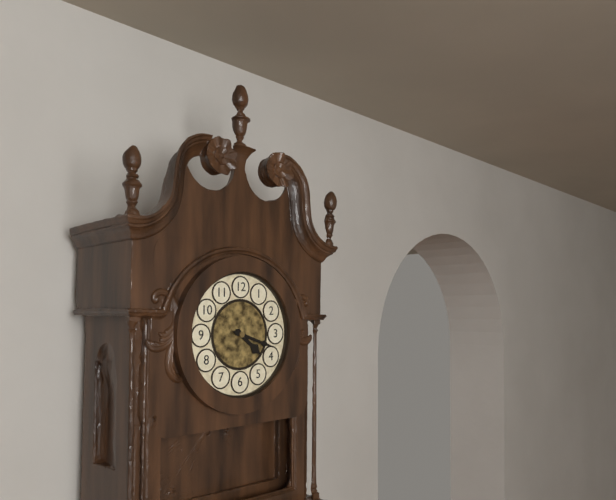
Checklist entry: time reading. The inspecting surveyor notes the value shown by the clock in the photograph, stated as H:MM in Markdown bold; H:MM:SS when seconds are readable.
**4:18**
